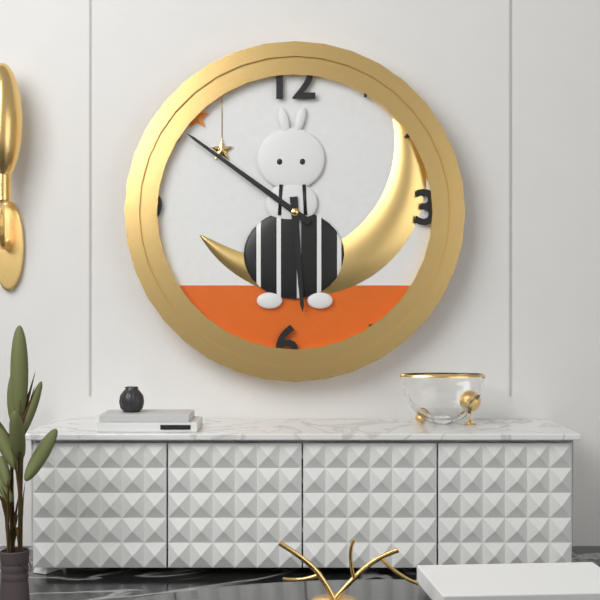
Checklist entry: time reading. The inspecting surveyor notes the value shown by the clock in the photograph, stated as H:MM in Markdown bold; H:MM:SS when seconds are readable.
**5:51**
